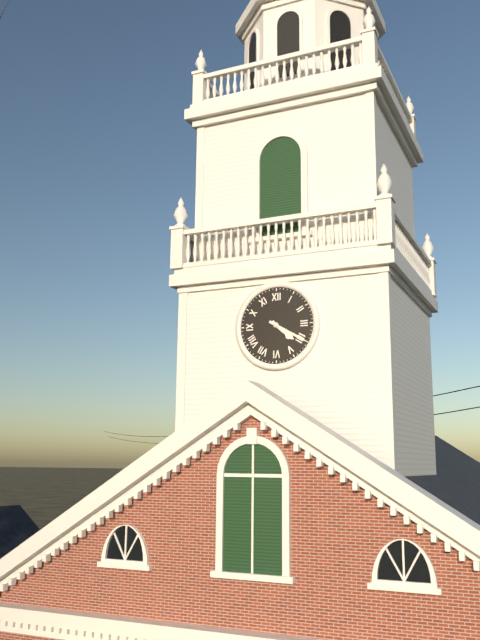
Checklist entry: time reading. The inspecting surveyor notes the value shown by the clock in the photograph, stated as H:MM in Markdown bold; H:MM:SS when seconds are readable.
**4:20**
